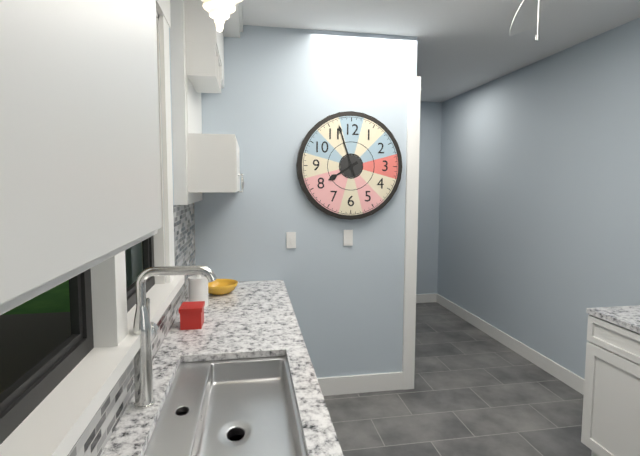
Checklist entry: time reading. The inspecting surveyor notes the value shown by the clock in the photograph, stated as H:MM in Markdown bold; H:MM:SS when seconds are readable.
**7:57**
